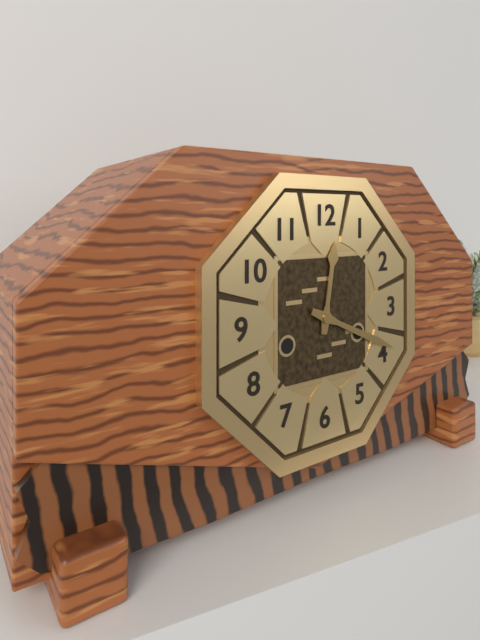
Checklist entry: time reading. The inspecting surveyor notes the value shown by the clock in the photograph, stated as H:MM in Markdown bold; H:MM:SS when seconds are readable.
**12:19**
